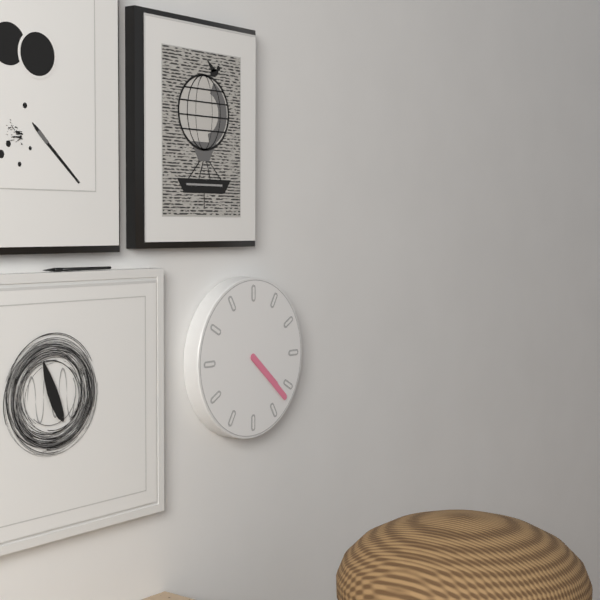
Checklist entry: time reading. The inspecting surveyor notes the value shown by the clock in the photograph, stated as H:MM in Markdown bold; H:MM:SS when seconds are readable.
**4:22**
